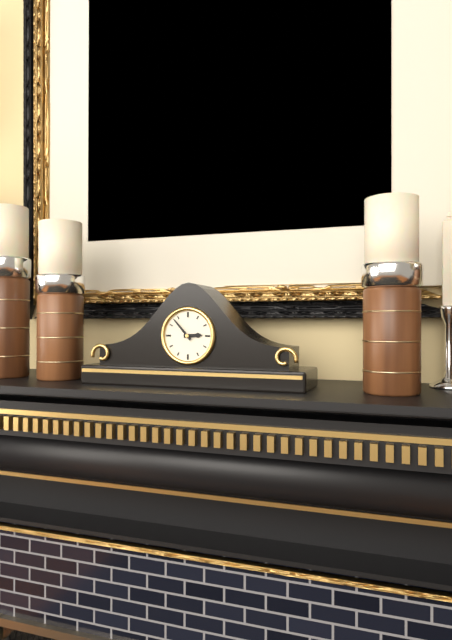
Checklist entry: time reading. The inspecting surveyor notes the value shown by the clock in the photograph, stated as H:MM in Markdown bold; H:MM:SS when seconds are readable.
**2:53**
